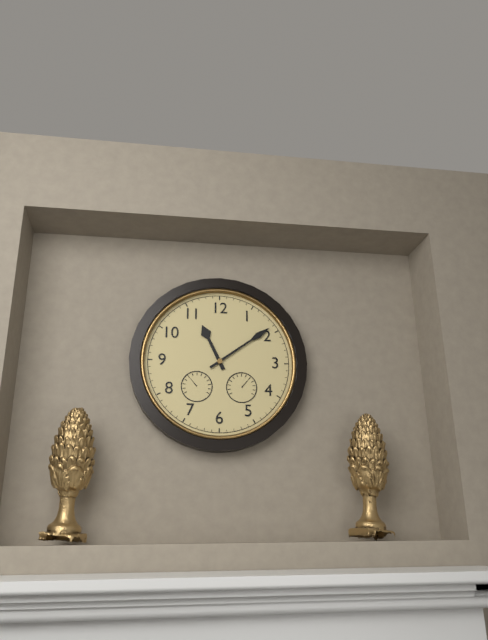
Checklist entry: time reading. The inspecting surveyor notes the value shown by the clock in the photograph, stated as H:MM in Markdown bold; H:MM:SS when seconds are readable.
**11:09**
